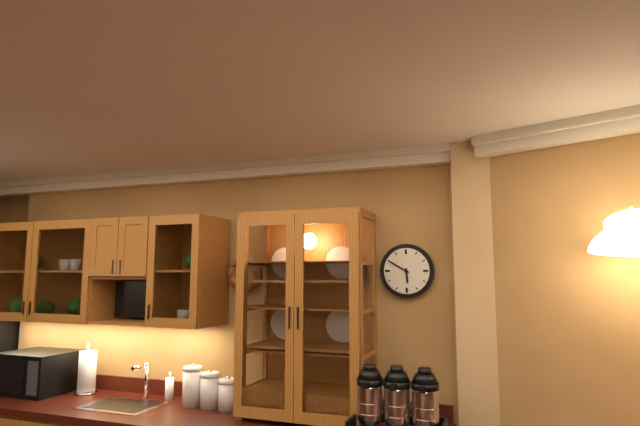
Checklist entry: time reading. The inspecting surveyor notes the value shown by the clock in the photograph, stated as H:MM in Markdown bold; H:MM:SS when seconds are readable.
**5:50**
